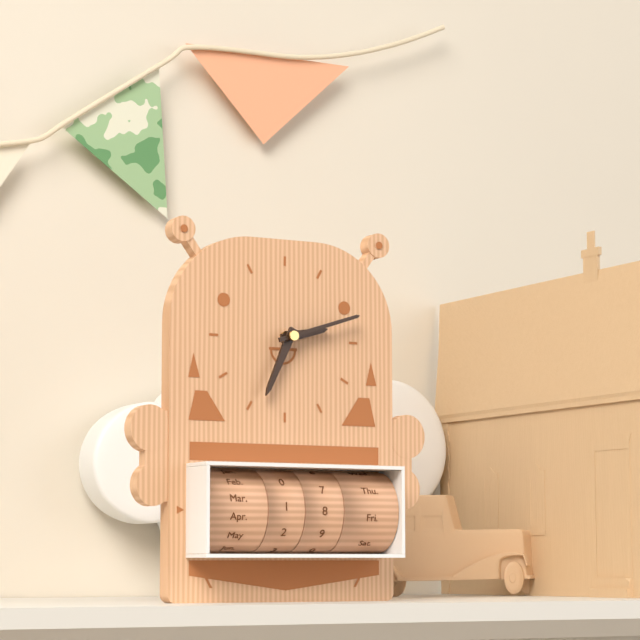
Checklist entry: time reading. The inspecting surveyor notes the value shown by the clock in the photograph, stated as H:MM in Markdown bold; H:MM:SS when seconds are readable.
**2:34:12**
